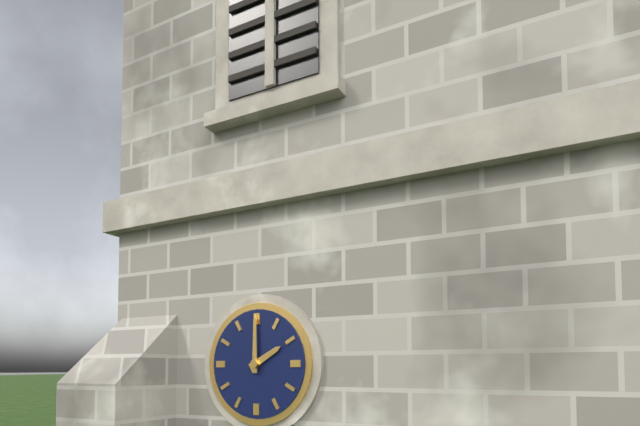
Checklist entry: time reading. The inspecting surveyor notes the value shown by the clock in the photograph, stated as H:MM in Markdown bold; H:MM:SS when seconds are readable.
**2:00**
